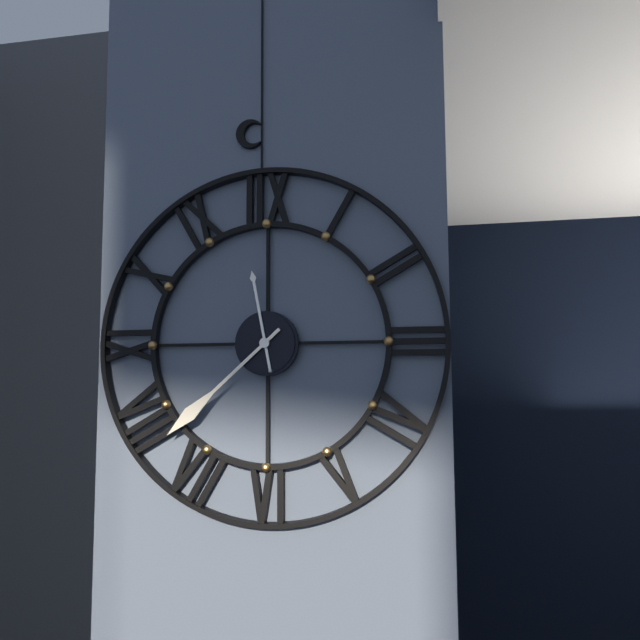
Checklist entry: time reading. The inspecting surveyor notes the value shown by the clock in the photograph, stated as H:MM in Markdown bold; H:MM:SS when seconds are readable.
**11:38**
